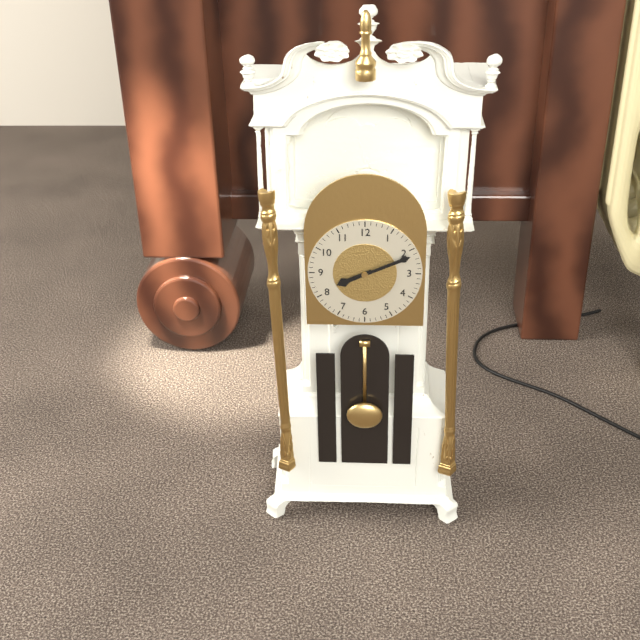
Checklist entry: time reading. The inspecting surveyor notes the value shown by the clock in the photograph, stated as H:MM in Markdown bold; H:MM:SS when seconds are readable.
**8:11**
